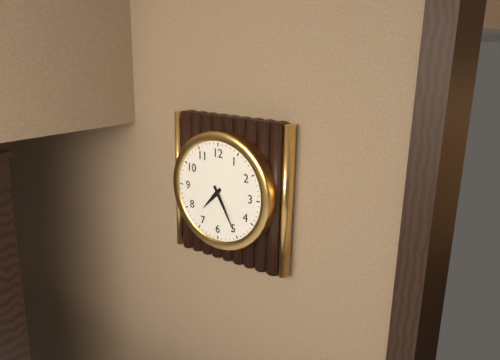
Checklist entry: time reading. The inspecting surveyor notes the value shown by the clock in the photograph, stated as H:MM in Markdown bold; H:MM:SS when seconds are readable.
**7:25**
